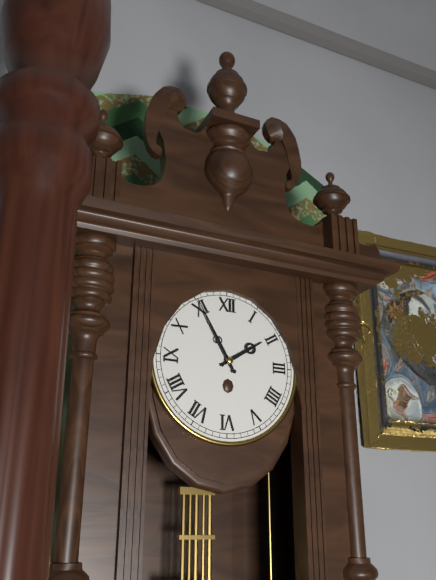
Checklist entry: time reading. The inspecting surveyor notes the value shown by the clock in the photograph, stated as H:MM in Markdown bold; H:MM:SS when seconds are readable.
**1:55**
